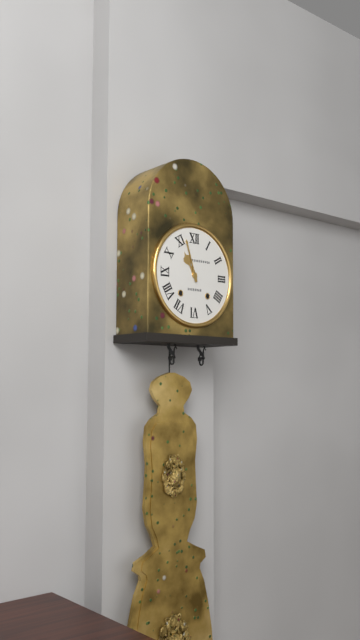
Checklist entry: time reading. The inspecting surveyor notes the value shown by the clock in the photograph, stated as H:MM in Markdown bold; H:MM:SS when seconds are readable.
**10:57**
